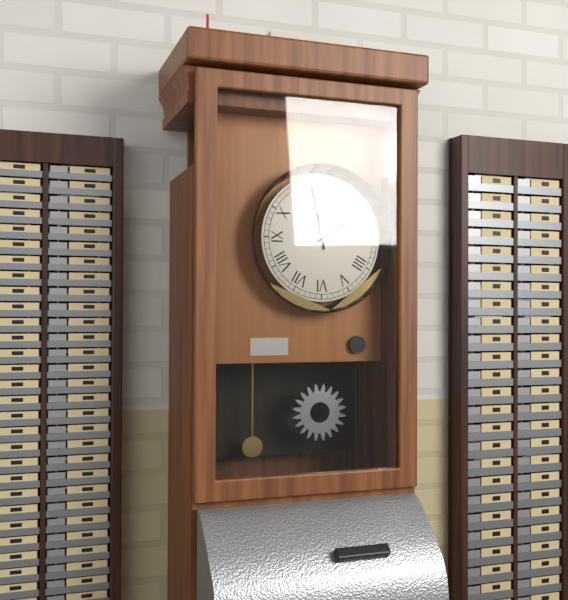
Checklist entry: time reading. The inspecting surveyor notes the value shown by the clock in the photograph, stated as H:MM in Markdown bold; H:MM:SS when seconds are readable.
**1:58**
